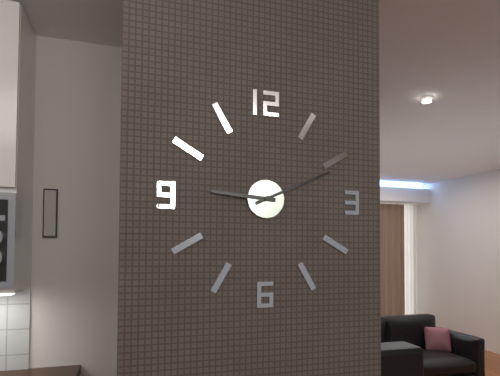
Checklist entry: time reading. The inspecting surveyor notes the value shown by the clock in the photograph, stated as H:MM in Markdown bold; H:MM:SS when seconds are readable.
**9:11**
